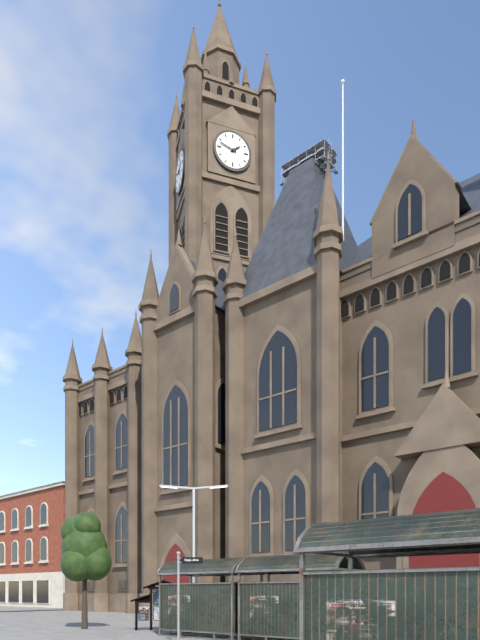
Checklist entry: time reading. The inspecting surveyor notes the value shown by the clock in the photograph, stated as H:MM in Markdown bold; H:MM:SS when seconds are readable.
**1:48**
